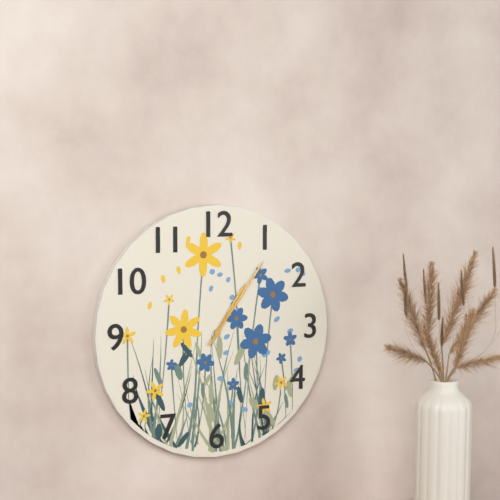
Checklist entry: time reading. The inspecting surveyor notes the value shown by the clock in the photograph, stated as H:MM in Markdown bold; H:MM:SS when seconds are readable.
**1:06**
